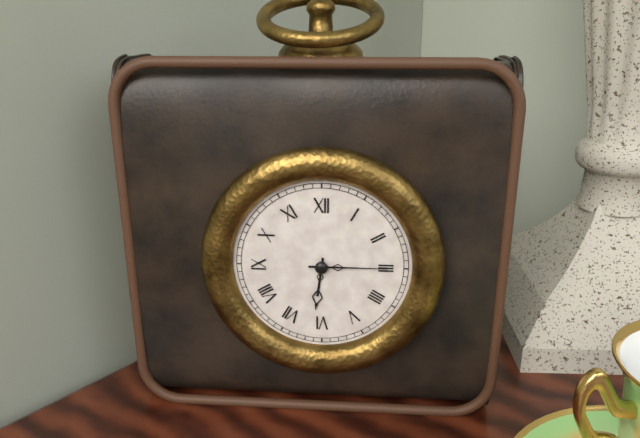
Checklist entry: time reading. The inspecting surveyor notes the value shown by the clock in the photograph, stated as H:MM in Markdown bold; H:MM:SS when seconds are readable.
**6:15**
